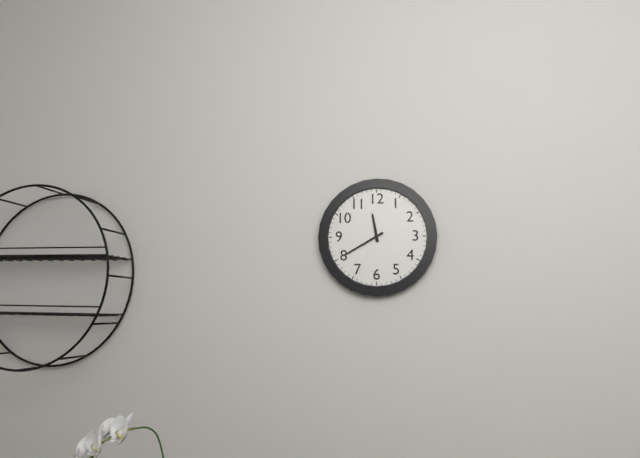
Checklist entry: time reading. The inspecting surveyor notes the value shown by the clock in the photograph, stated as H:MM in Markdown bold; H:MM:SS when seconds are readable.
**11:40**
